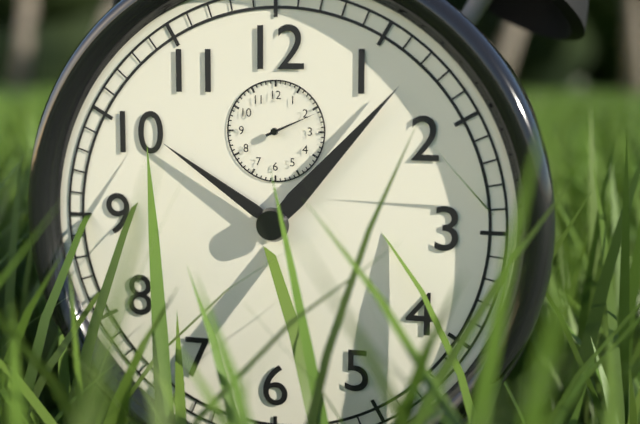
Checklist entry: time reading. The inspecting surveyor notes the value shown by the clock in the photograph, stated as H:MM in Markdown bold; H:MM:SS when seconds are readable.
**10:07:11**
